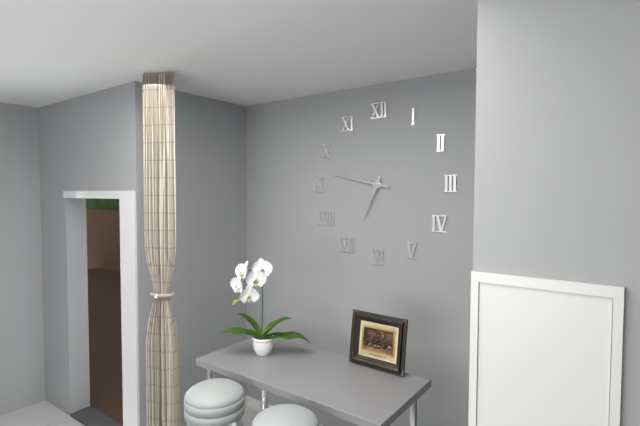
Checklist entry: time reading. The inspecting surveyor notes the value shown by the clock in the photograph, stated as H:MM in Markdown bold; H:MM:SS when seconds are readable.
**6:47**
